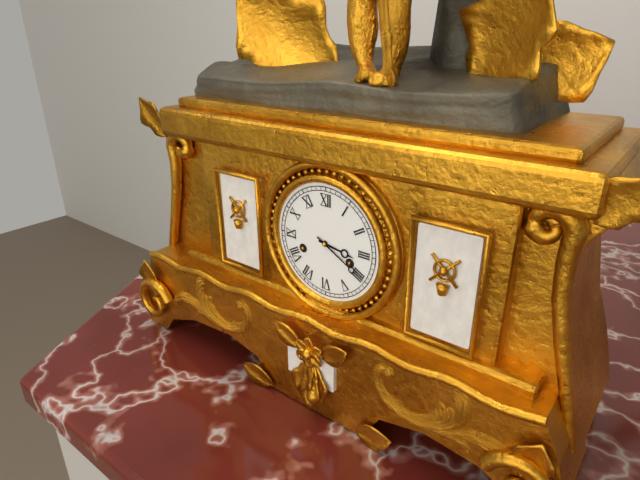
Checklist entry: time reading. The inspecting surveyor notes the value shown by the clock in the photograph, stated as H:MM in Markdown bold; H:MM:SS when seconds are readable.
**3:20**
